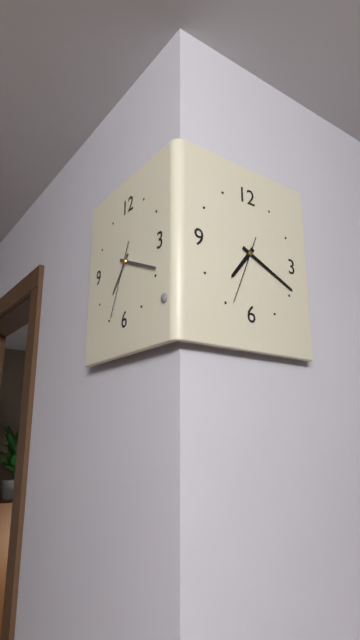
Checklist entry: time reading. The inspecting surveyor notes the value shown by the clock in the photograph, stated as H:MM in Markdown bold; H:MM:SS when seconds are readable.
**7:19:34**
